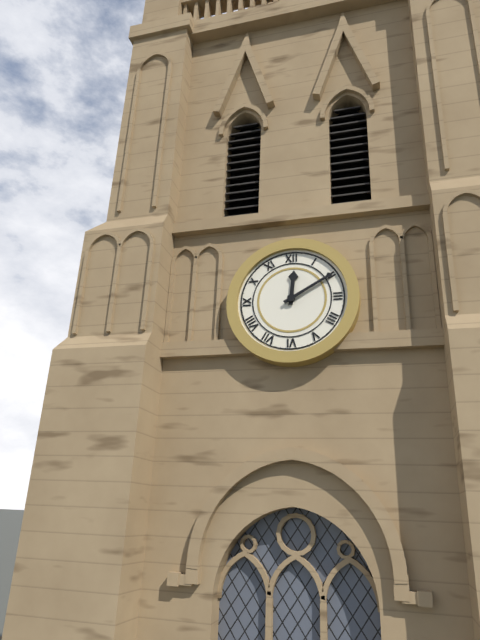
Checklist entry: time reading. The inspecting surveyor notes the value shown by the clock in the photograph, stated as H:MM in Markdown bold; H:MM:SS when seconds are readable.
**12:10**
